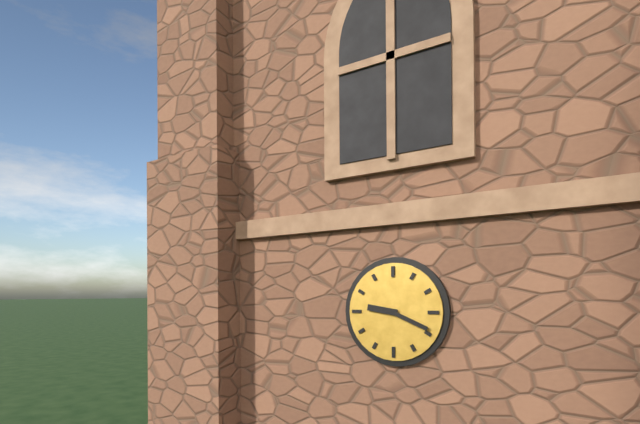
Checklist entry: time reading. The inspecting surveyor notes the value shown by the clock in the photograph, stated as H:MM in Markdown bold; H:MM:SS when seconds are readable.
**9:19**
